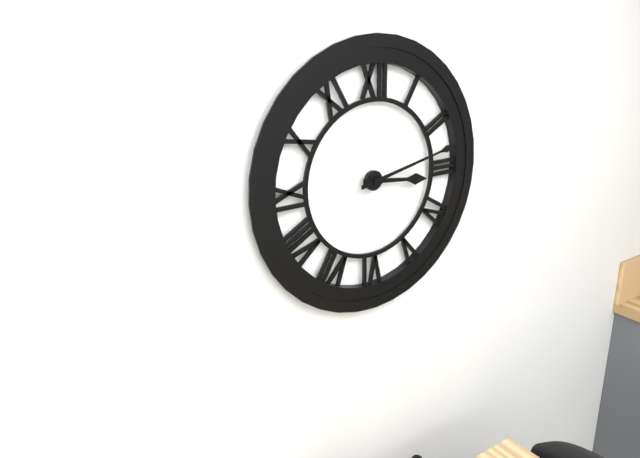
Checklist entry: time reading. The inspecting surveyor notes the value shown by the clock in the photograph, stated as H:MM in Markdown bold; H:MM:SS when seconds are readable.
**3:13**
